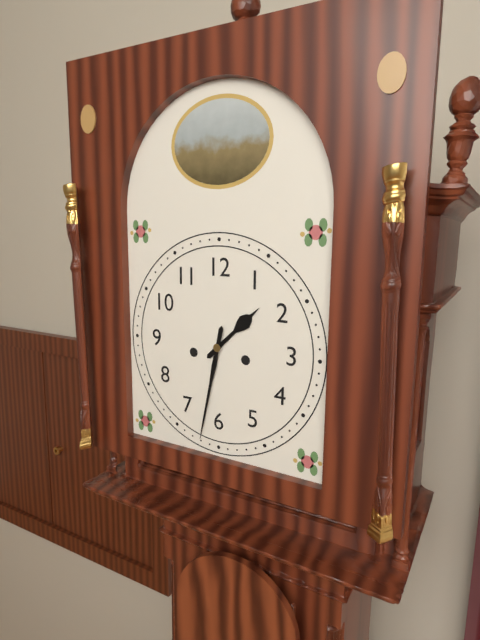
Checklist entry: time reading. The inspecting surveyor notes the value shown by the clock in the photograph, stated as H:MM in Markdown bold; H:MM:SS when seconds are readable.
**1:32**
